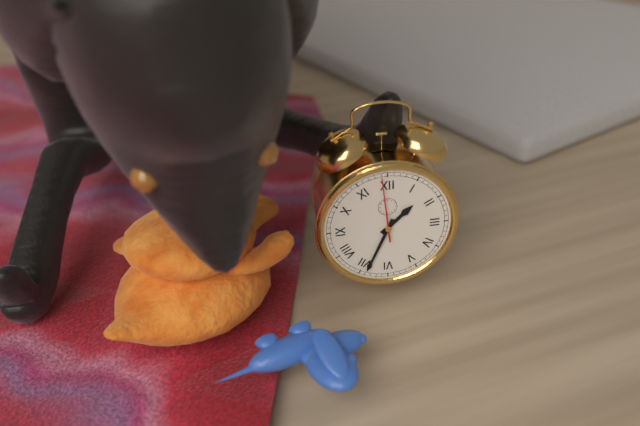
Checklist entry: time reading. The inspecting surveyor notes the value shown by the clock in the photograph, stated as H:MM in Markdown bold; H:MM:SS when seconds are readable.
**1:34:59**
